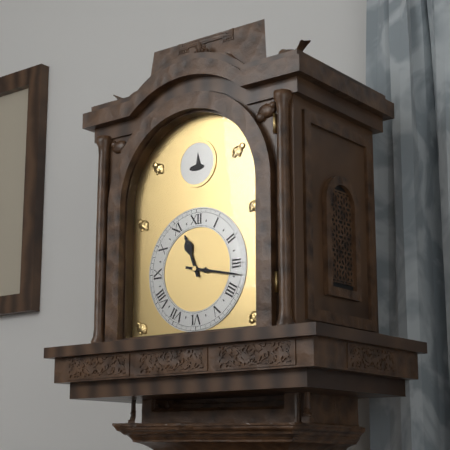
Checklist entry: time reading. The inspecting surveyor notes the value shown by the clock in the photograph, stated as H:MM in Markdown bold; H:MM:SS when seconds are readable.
**11:17**
